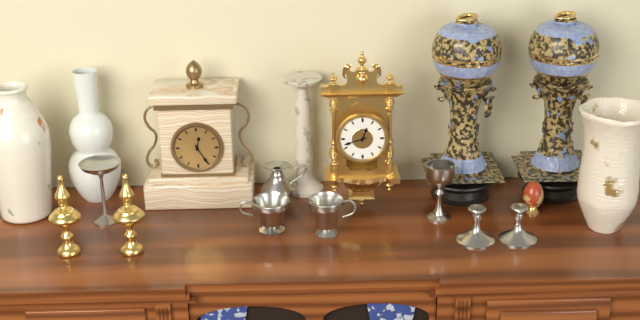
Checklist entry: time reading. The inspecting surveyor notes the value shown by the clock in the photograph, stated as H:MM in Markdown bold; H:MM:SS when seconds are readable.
**12:42**
